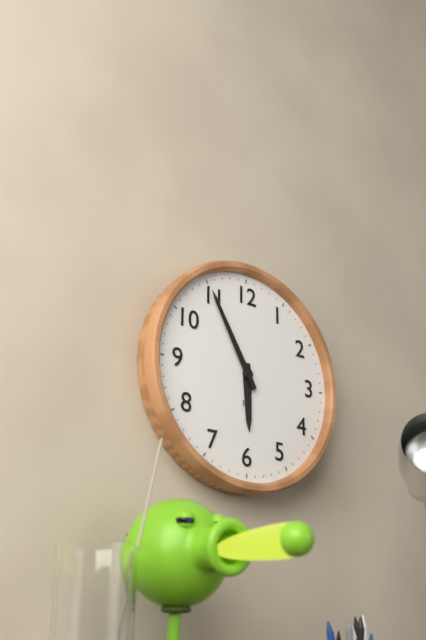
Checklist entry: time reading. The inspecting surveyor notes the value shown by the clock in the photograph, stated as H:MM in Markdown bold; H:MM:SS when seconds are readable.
**5:55**
